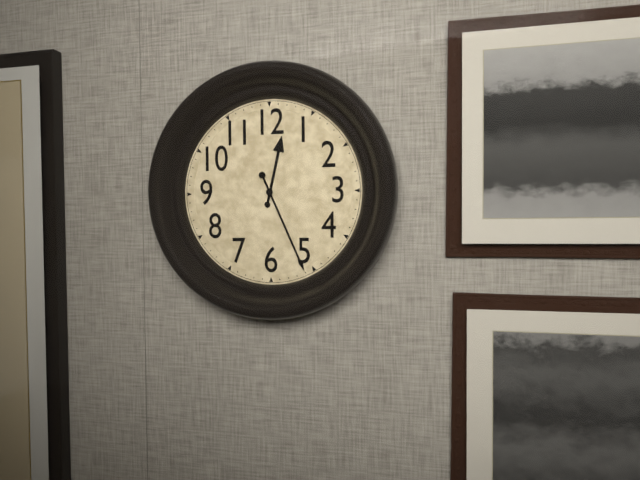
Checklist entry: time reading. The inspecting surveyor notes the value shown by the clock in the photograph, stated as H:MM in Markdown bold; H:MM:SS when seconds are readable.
**12:26**
